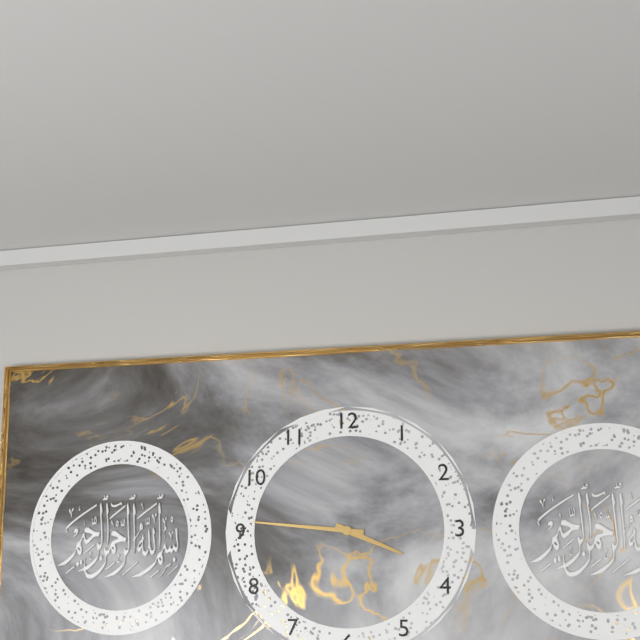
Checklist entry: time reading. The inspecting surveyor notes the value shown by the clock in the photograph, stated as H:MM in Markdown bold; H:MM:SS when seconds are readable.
**3:46**
